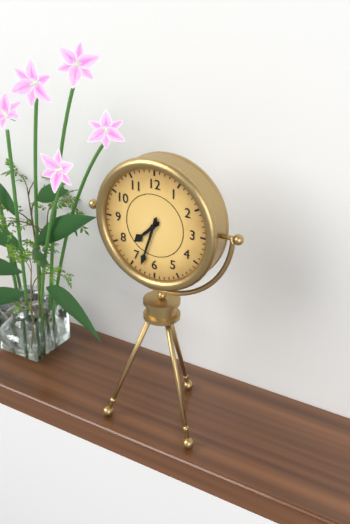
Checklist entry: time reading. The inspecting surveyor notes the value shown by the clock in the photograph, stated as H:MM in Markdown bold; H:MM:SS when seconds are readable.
**7:33**
